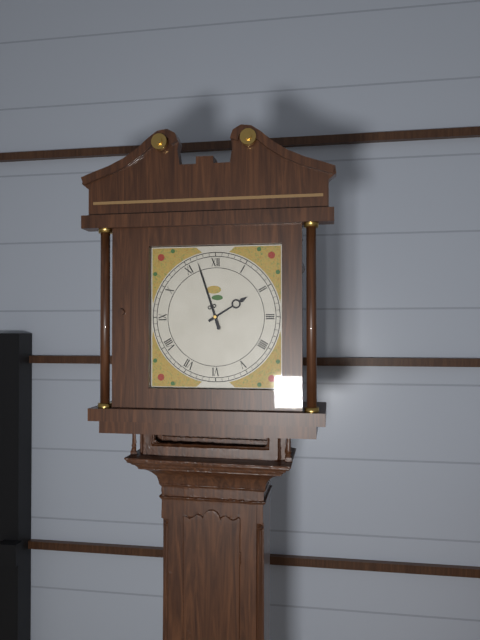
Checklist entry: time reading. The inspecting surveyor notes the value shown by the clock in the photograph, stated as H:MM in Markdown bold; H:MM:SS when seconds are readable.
**1:57**
